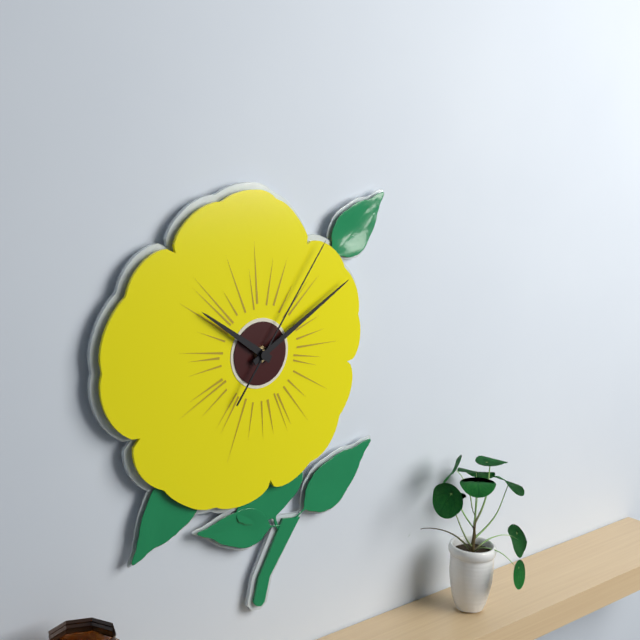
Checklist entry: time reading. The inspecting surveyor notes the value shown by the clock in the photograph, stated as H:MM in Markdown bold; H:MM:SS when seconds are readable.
**10:10:06**
